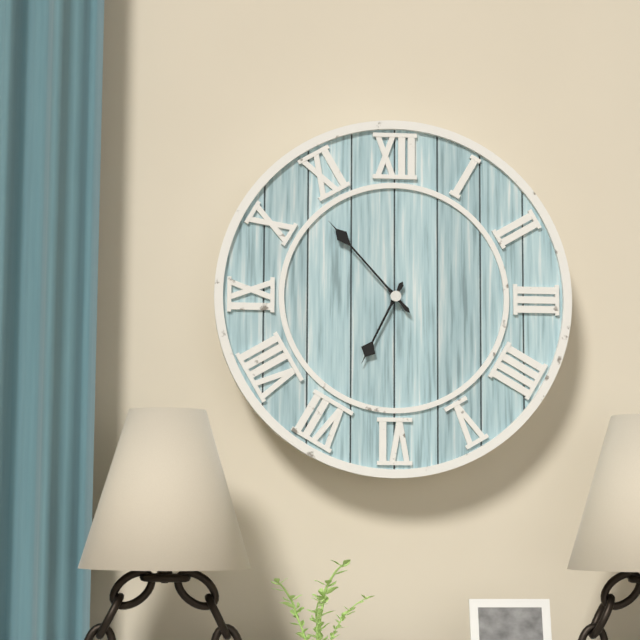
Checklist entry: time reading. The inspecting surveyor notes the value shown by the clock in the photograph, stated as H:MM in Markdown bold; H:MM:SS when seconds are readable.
**6:53**
